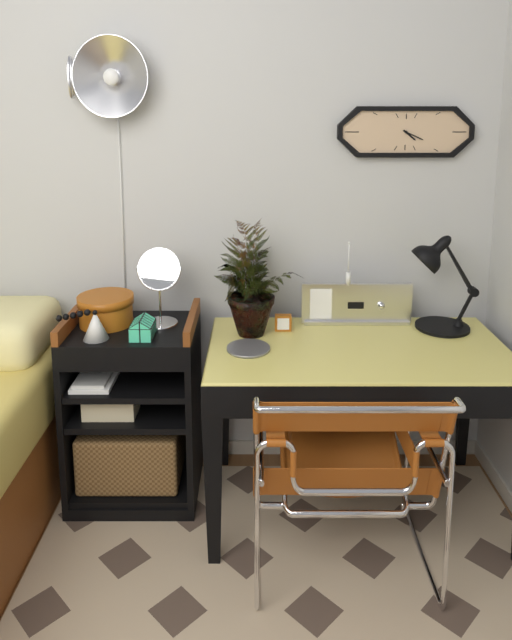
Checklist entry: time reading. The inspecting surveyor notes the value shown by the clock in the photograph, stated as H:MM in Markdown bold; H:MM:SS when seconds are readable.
**4:19**
